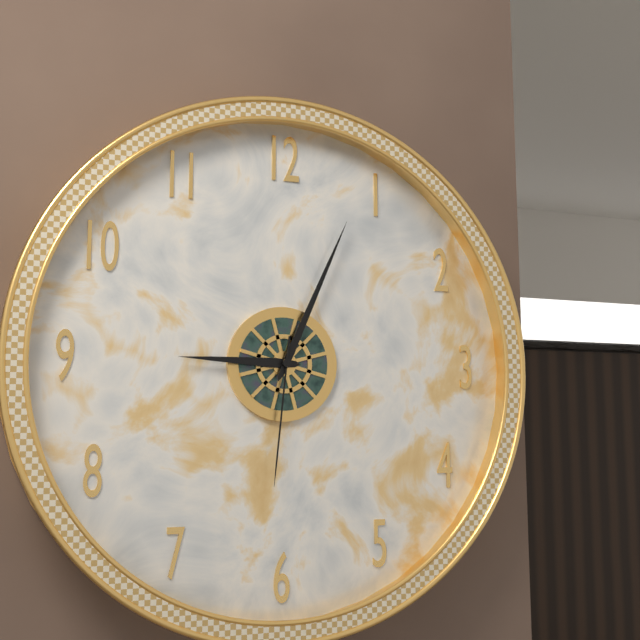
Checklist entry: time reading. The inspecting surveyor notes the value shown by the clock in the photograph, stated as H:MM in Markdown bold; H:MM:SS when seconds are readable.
**9:04:31**
